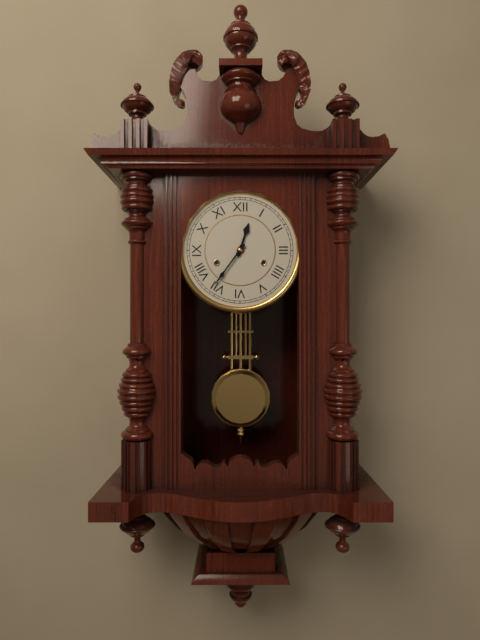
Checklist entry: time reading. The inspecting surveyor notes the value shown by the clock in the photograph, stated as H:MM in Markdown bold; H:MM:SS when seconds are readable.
**12:36**
